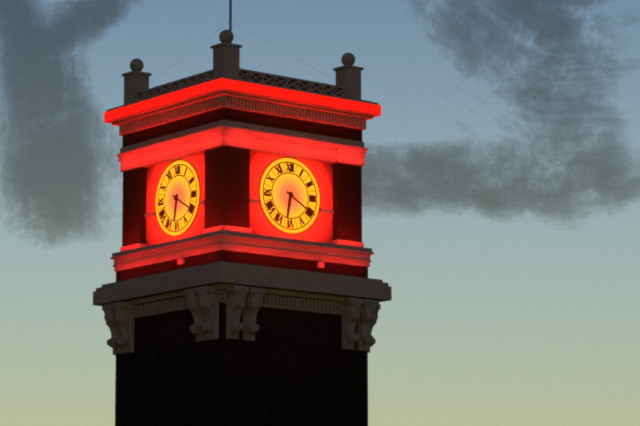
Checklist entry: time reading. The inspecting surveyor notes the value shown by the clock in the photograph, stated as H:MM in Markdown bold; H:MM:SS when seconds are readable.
**6:20**
